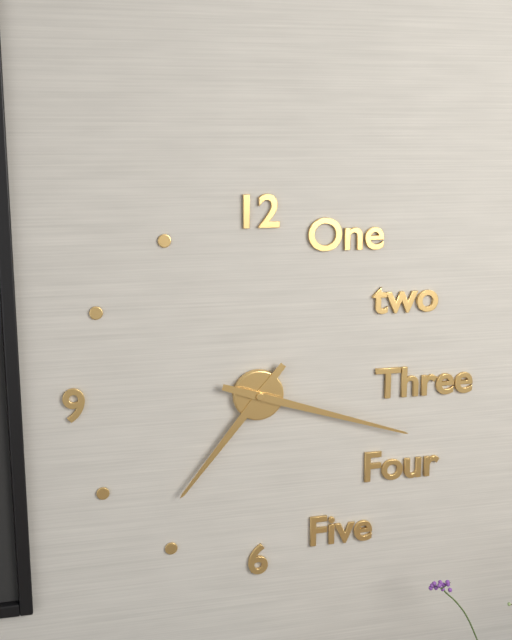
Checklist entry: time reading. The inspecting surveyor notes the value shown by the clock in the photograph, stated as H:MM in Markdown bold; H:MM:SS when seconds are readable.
**7:18**
